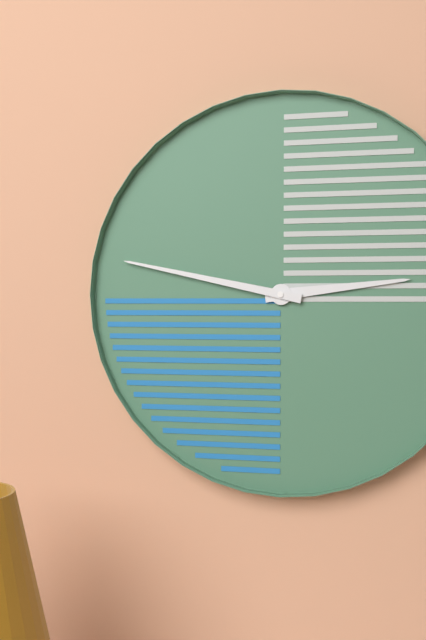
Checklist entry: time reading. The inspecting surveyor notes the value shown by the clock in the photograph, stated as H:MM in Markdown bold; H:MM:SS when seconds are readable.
**2:47**
